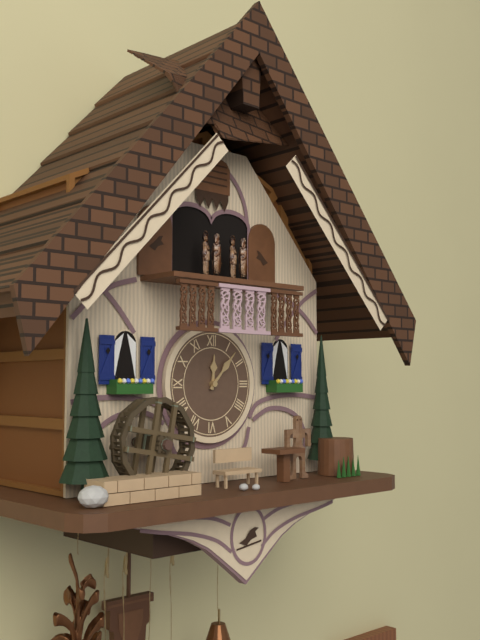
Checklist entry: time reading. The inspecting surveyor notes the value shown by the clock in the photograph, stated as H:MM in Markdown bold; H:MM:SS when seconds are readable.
**12:07**
